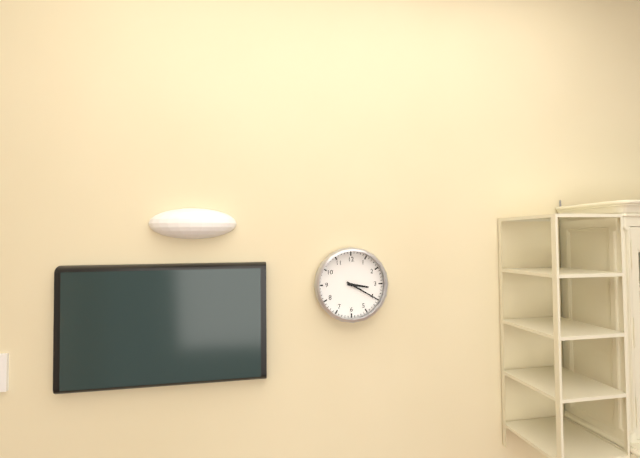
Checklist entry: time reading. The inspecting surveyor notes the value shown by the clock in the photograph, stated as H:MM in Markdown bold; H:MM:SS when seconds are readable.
**3:20**
